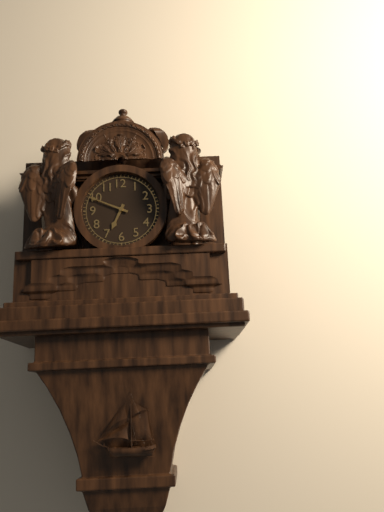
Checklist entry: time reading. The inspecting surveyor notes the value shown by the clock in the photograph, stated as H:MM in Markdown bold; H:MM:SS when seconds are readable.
**6:49**
